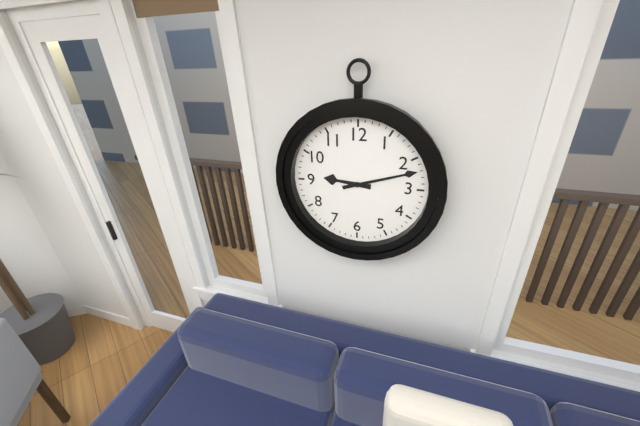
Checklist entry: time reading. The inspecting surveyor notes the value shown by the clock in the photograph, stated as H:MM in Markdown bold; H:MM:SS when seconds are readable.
**9:12**
